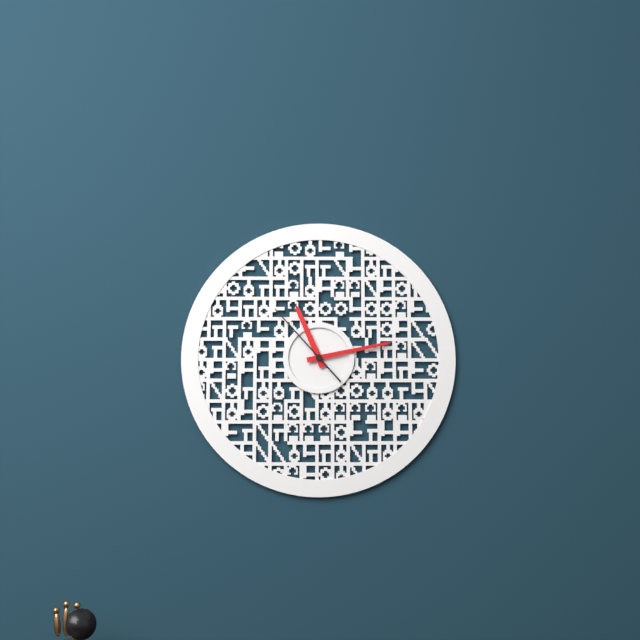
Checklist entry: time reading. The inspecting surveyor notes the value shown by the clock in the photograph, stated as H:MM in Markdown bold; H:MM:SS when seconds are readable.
**11:13:53**
